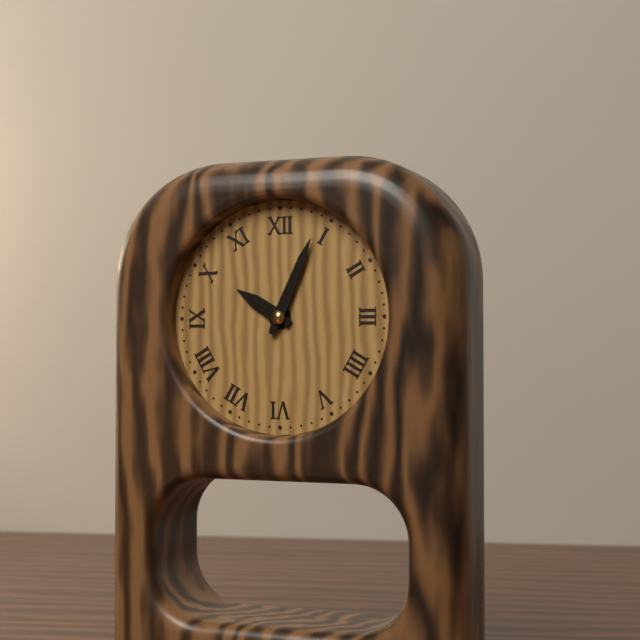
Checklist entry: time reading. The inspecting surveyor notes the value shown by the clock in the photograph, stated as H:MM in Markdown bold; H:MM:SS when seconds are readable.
**10:04**
